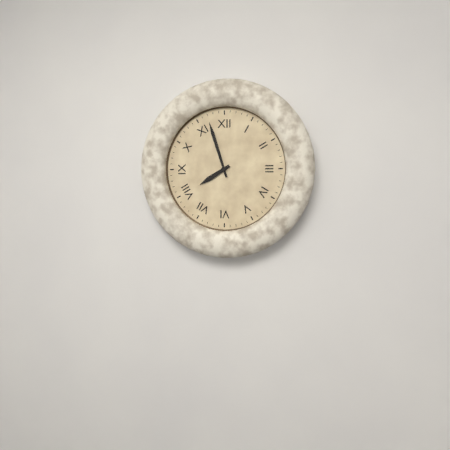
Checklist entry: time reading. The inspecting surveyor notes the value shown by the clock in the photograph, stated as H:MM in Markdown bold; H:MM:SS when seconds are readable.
**7:57**
